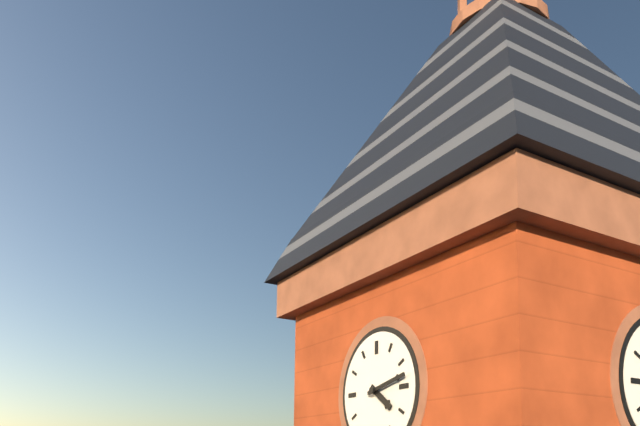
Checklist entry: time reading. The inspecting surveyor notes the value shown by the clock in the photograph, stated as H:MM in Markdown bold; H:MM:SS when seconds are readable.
**4:13**
